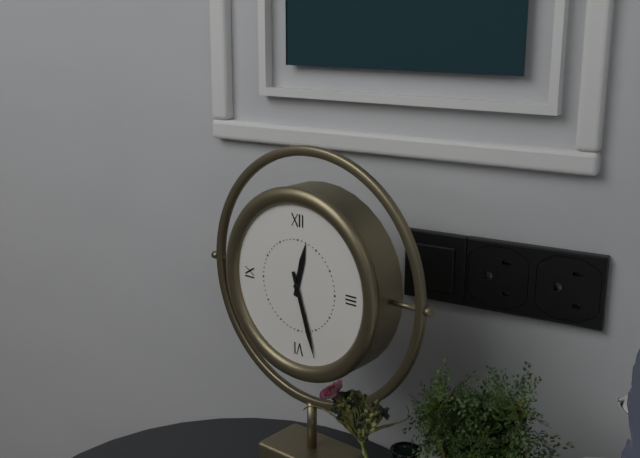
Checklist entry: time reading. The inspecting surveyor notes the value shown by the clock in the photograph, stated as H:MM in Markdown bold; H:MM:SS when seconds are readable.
**12:27**
